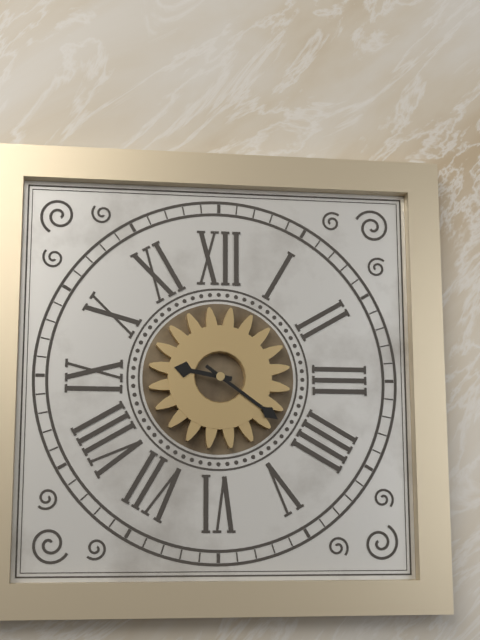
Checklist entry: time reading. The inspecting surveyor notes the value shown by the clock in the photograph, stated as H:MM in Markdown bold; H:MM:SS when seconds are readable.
**9:21**
